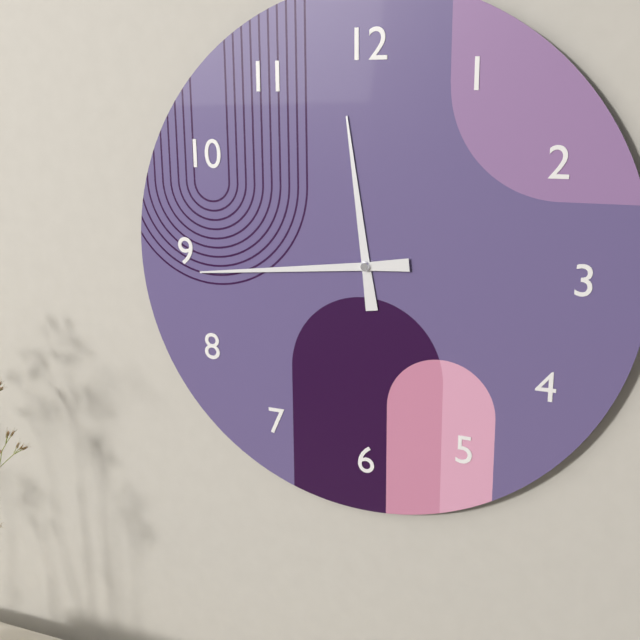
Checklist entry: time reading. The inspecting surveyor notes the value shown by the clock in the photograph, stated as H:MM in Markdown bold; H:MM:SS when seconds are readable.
**11:44**
